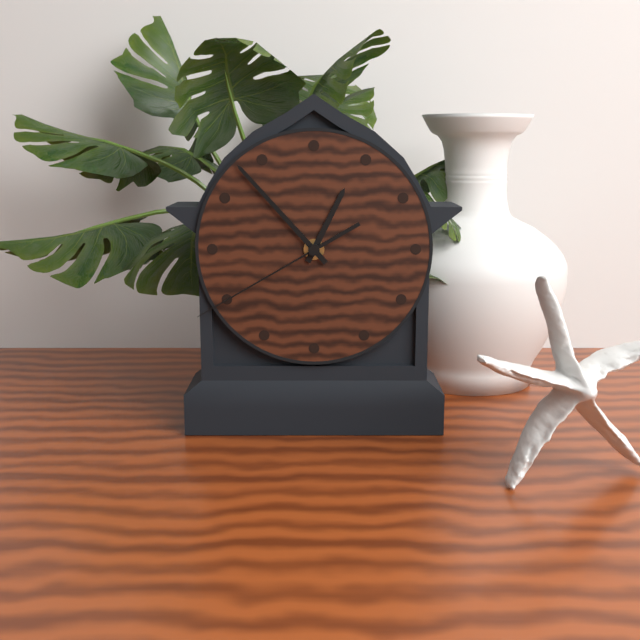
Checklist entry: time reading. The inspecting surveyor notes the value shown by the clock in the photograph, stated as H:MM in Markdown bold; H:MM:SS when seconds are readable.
**12:53:40**
